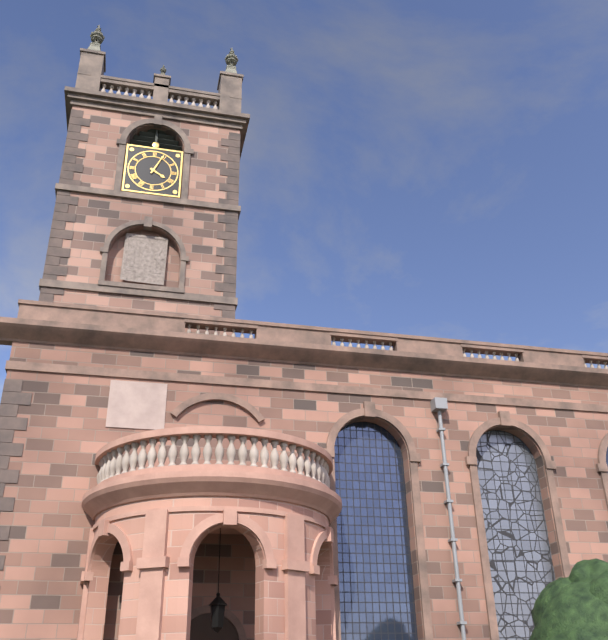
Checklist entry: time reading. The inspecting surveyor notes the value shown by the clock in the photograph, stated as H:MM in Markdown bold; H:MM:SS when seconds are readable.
**4:04**
